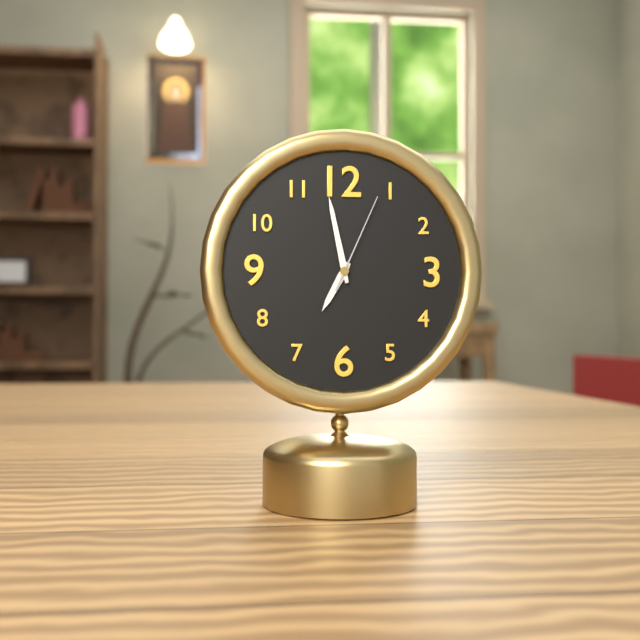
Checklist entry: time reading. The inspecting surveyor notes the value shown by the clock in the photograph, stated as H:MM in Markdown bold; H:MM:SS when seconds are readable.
**6:58:04**
